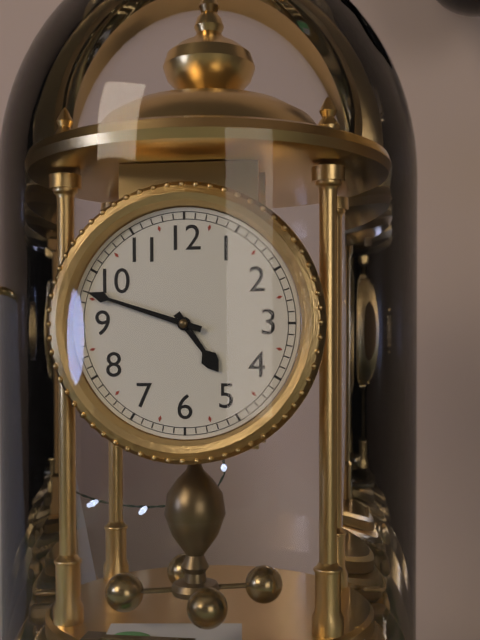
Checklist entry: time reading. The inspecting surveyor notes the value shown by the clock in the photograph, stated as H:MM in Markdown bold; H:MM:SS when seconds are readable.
**4:48**
